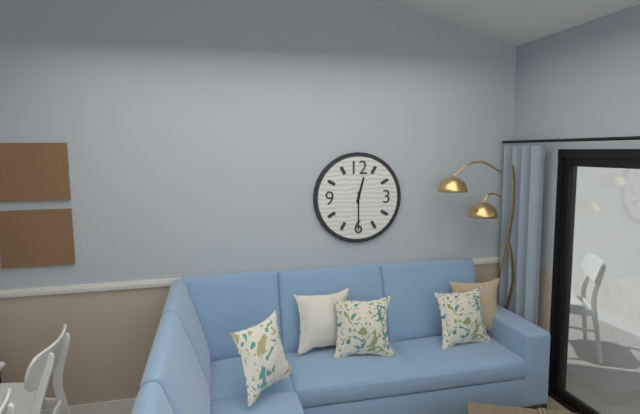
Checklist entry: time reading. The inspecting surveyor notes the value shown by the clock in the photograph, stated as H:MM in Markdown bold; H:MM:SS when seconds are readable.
**12:30**
